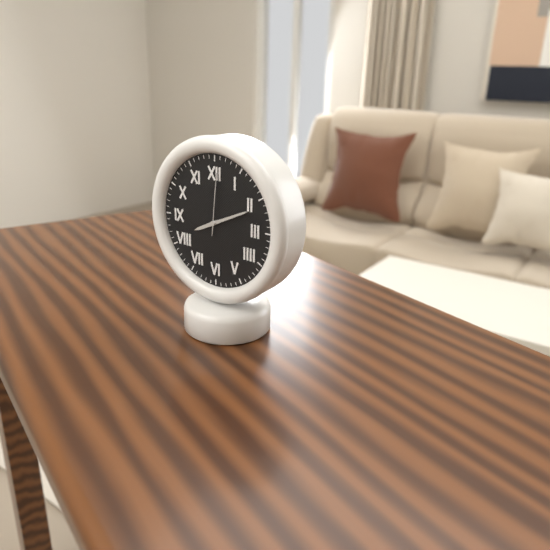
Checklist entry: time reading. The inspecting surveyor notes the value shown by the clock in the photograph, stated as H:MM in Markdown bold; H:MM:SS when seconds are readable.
**8:11:01**
